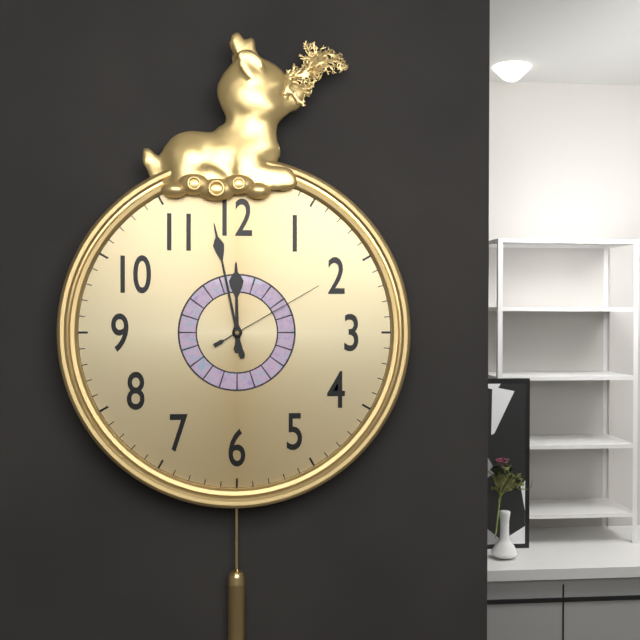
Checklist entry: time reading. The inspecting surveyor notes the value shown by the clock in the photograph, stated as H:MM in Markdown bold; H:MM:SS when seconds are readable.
**11:58:10**
